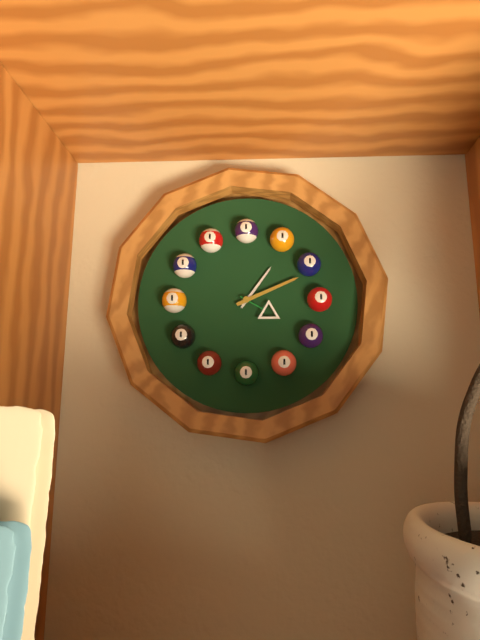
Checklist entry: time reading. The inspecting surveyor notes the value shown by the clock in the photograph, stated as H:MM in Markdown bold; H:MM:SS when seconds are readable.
**1:11:20**
